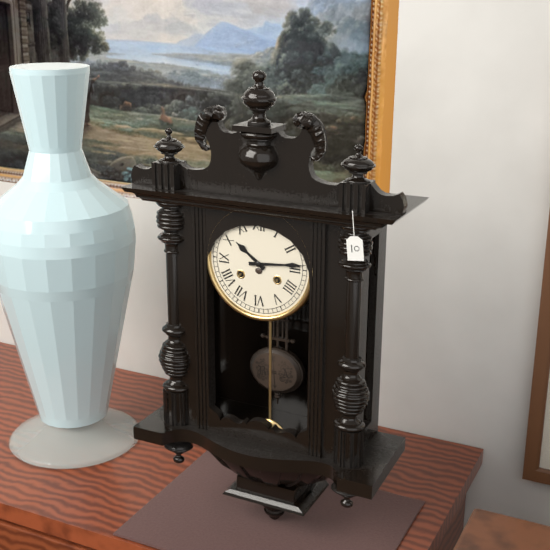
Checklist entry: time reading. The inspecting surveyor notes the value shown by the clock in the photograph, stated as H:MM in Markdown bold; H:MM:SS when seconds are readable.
**10:14**
